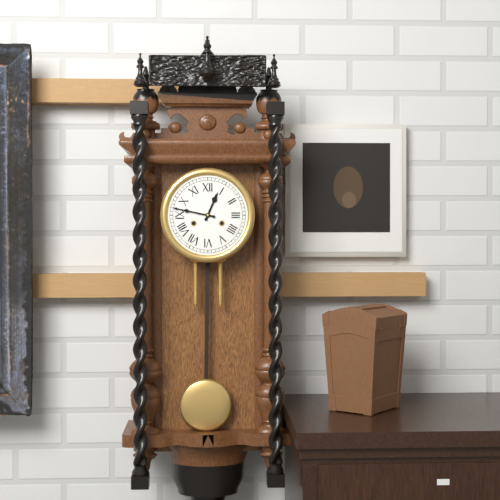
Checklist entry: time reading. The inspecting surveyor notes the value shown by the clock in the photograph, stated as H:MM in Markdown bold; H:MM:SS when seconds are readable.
**12:47**
